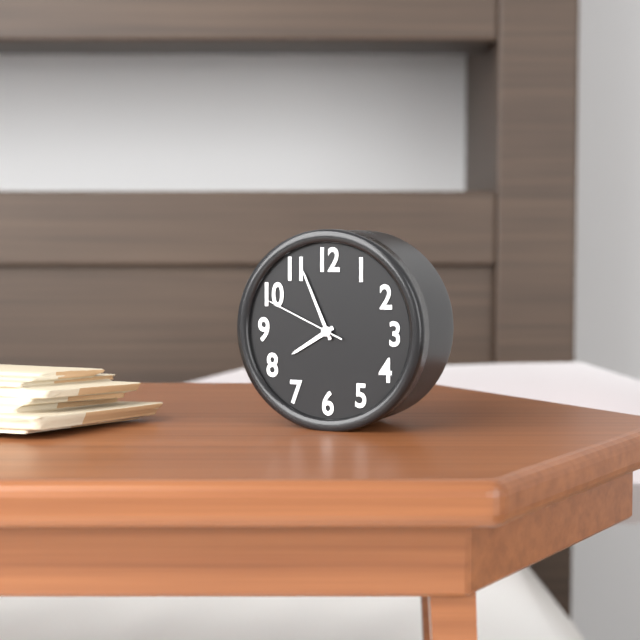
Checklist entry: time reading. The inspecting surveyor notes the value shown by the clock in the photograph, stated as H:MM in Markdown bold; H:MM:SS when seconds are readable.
**7:56:49**
